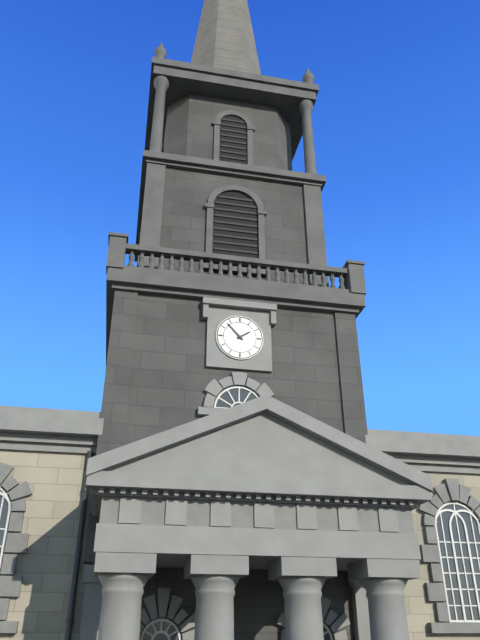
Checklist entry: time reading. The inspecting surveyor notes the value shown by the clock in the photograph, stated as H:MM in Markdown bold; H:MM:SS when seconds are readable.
**1:53**
